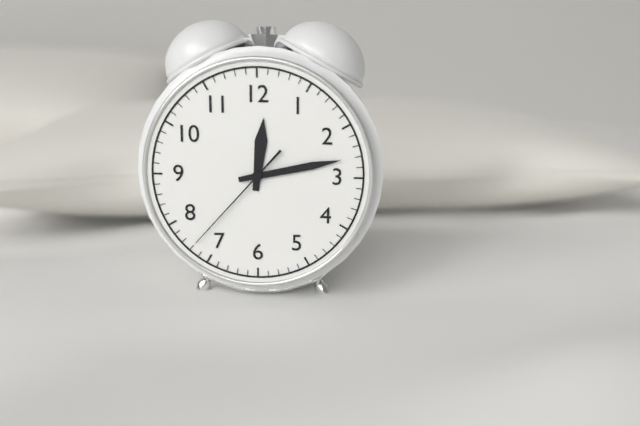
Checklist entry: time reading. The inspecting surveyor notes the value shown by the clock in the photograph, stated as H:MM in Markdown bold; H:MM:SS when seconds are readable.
**12:13:37**
